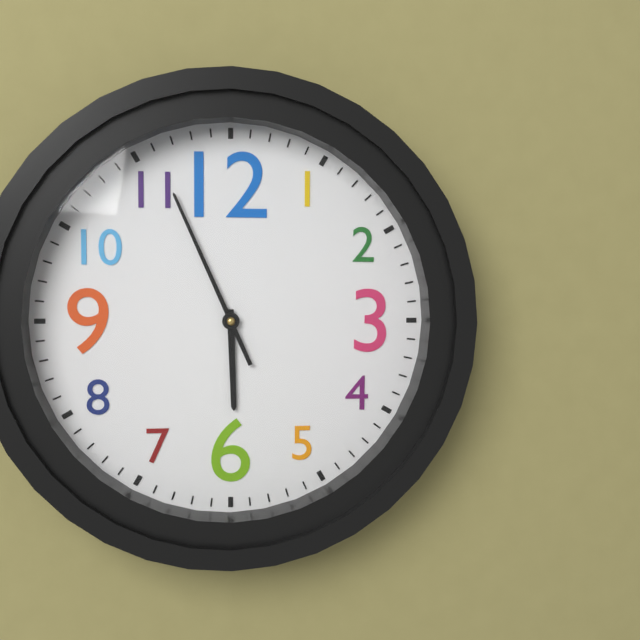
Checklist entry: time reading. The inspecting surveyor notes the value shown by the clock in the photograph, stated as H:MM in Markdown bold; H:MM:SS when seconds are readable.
**5:56**
